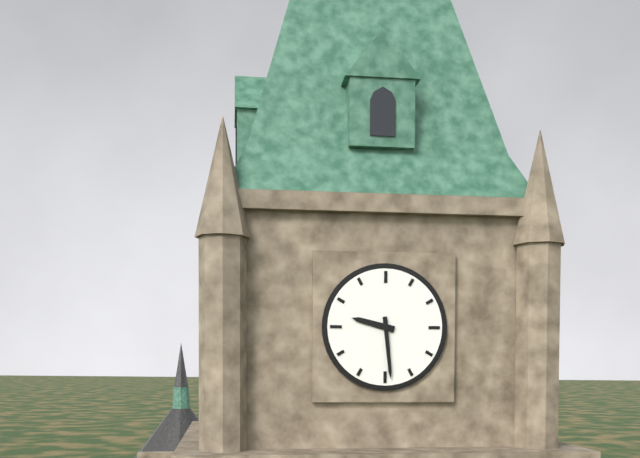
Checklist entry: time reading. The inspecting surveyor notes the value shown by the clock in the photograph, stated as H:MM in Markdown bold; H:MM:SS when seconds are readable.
**9:29**
